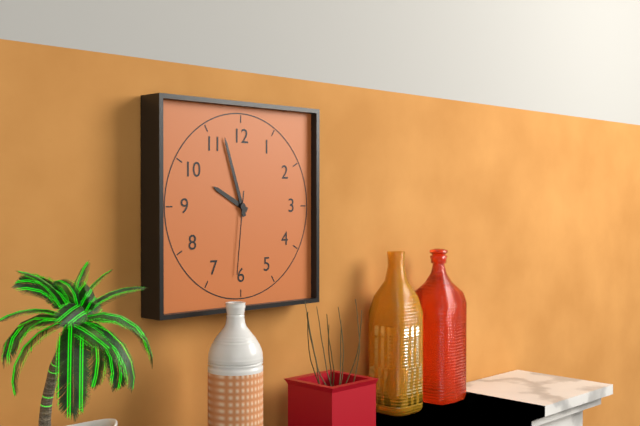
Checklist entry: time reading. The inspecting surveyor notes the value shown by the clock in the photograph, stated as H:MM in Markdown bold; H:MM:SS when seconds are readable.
**9:57:31**
